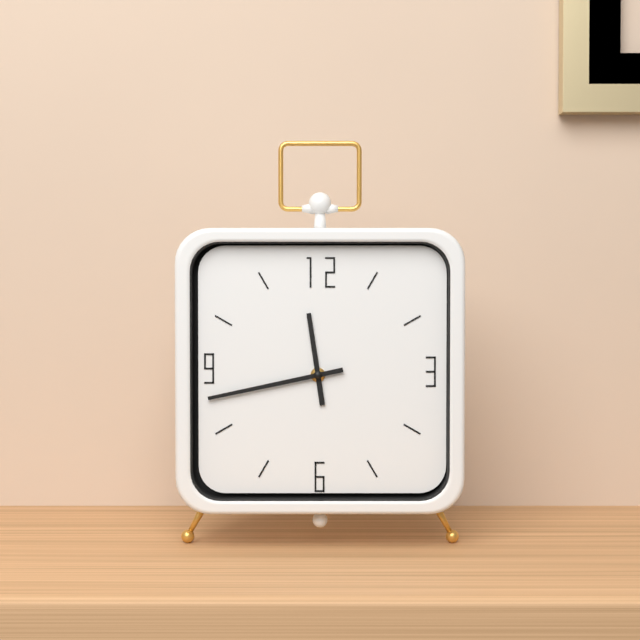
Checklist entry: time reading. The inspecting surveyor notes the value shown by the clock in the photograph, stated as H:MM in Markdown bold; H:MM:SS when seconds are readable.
**11:43**
